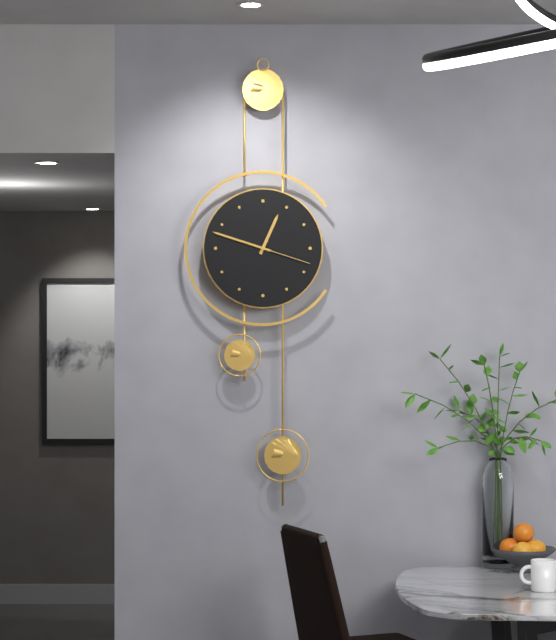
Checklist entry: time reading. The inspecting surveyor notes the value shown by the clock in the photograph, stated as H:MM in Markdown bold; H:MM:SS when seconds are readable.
**12:48:18**
